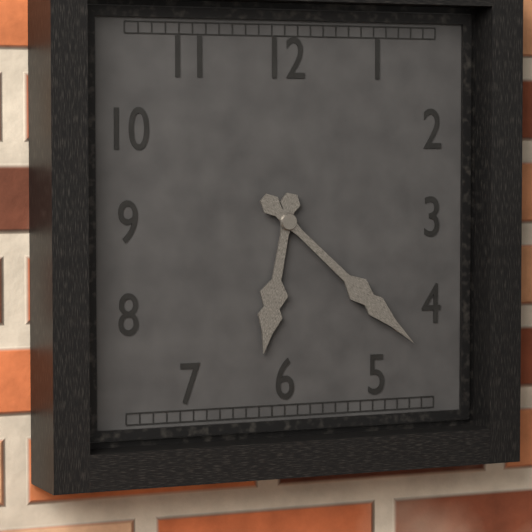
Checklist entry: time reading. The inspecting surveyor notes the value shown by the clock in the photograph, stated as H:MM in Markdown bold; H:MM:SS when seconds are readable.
**6:22**
